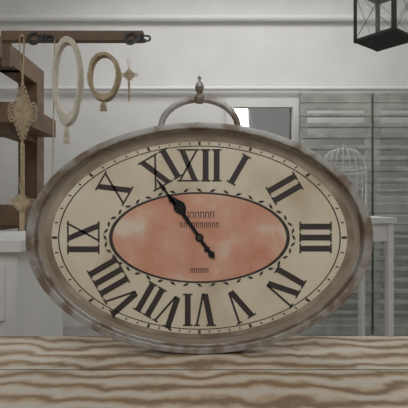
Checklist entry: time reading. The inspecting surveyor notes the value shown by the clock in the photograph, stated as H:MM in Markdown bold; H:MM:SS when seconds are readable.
**10:54**
